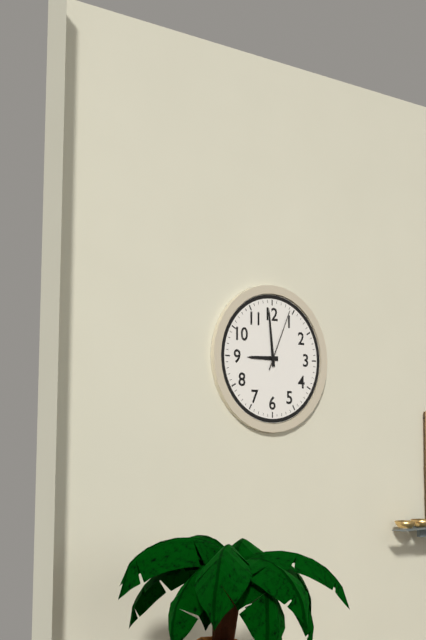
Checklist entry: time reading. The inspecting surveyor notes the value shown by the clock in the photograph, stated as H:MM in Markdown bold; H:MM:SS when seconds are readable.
**8:59:04**
